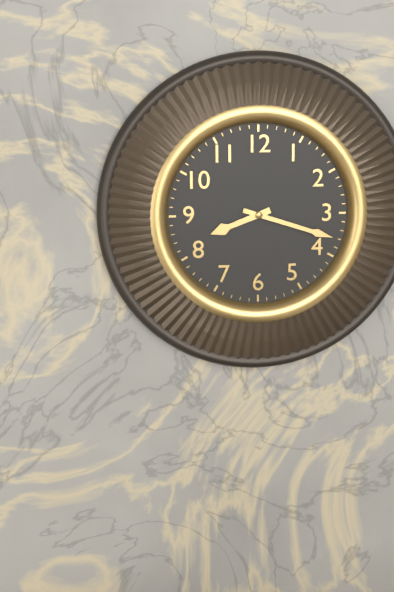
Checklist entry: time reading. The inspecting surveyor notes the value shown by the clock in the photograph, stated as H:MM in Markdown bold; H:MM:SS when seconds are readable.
**8:18**
